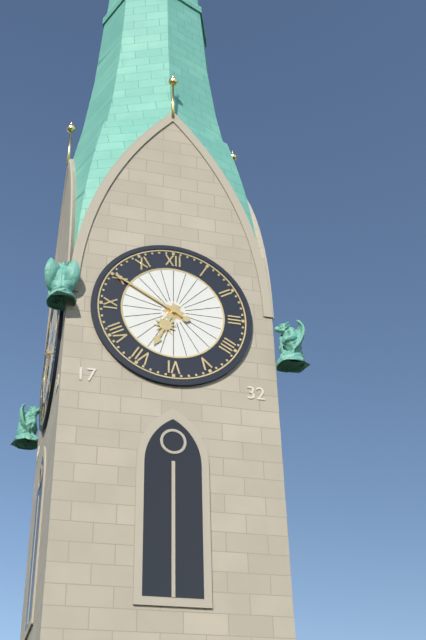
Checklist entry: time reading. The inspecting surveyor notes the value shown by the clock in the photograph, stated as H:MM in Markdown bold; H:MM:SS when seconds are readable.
**6:50**
